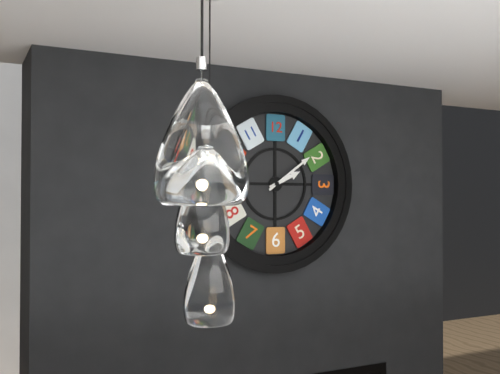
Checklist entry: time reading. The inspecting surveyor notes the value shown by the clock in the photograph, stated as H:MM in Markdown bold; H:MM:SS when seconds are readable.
**2:09**
